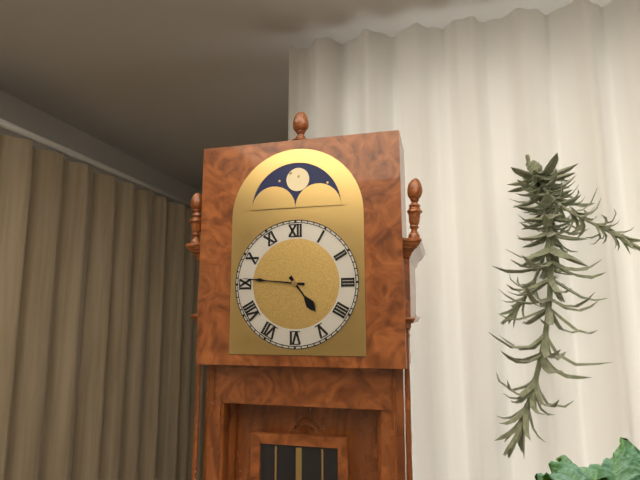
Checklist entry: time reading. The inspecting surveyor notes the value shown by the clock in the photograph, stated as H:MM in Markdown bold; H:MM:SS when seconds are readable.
**4:46**
